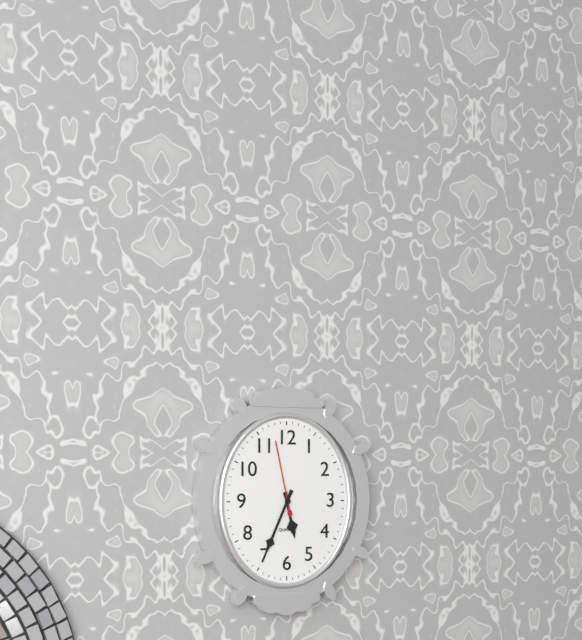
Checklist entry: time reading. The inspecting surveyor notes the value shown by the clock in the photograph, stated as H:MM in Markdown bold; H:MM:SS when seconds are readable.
**5:34:58**
